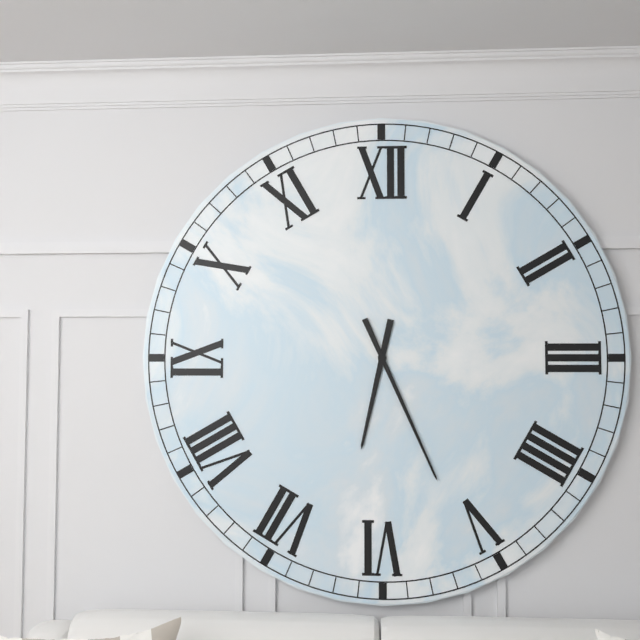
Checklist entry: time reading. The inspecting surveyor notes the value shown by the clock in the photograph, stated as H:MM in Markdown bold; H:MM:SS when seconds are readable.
**6:26**
